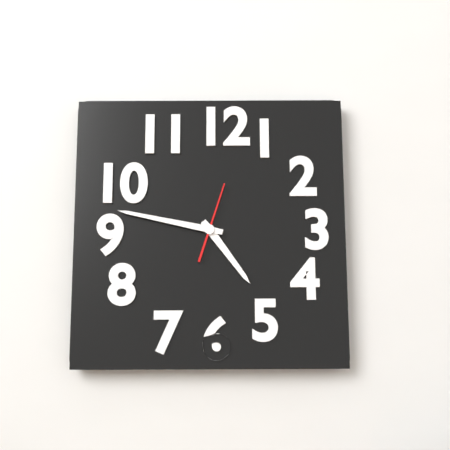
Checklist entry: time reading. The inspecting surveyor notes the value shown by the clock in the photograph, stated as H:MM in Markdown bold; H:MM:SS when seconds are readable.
**4:47:03**
